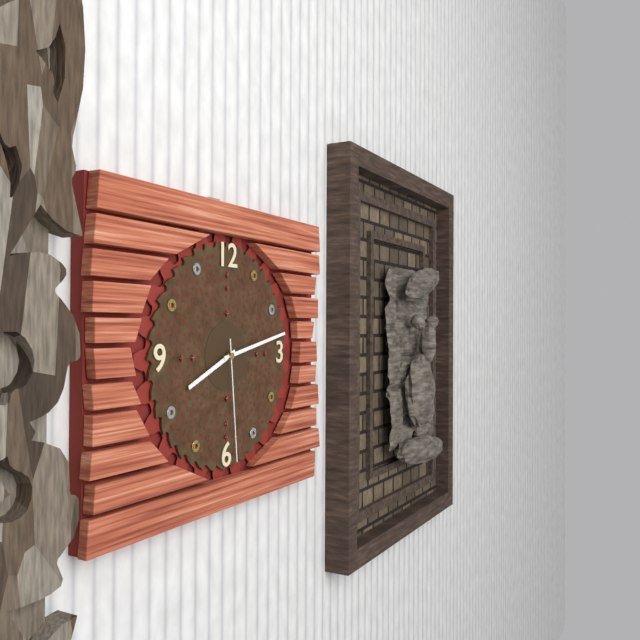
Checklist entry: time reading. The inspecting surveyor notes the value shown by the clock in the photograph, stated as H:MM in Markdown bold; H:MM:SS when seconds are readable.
**8:13:29**
